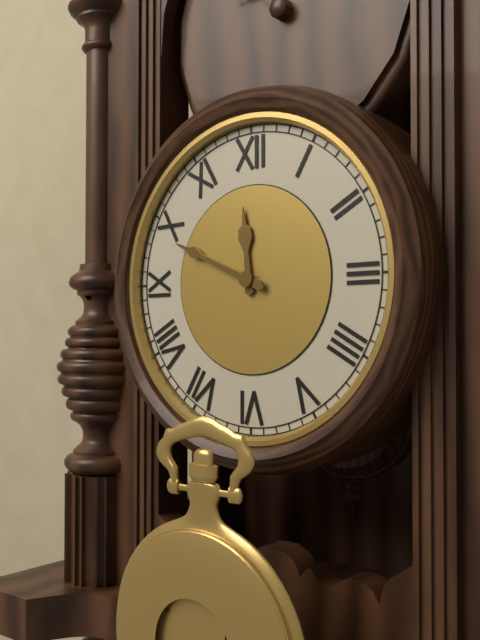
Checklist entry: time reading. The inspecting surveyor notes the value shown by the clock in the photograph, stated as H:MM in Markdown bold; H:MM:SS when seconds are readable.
**11:49**
